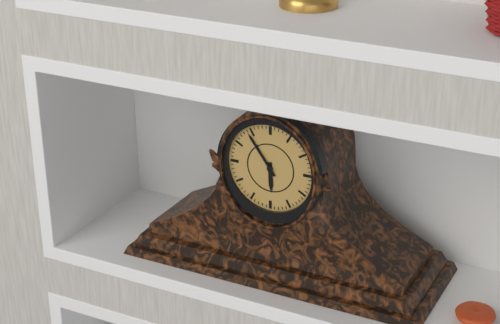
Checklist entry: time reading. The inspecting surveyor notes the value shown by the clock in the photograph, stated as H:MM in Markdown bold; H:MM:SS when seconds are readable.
**5:54**
